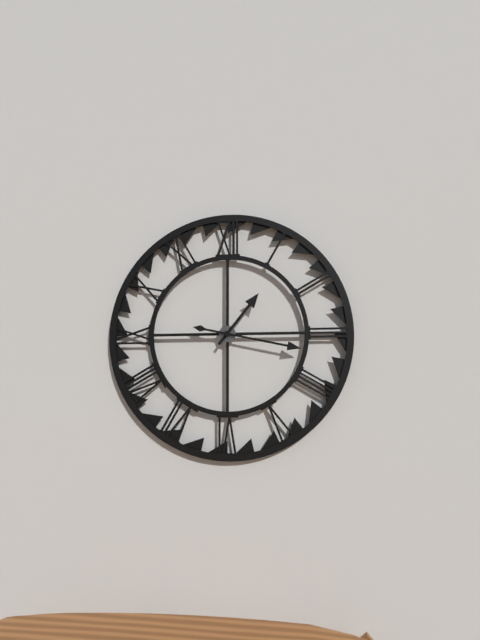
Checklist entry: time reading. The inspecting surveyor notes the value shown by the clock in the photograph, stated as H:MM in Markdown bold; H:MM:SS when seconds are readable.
**1:17**
